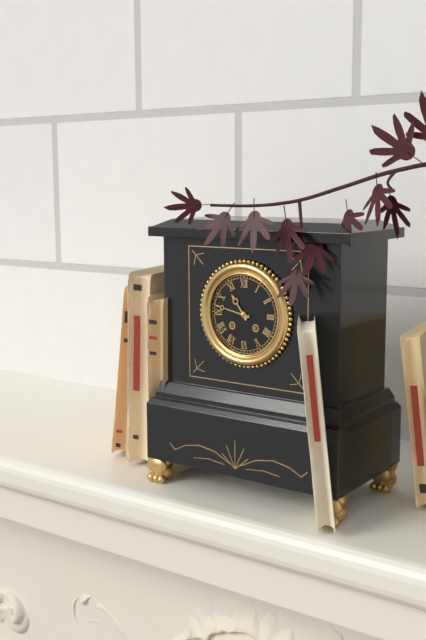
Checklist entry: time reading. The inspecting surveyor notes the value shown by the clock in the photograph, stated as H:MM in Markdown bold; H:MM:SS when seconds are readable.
**10:47**
